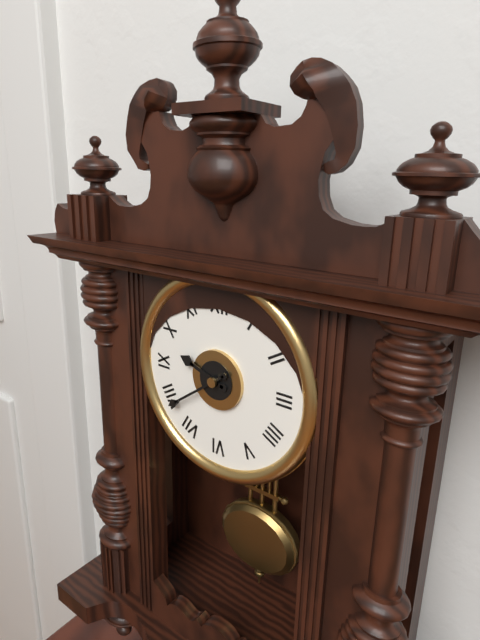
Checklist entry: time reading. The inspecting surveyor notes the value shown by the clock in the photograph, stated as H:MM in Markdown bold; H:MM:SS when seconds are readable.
**9:39**
